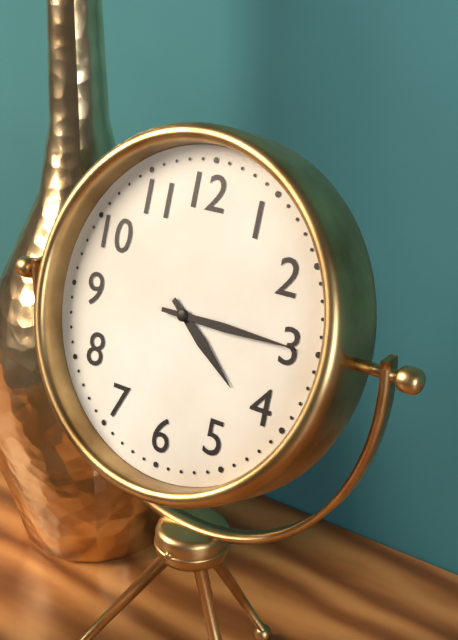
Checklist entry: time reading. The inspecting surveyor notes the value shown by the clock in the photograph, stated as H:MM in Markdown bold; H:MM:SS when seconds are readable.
**4:15**
